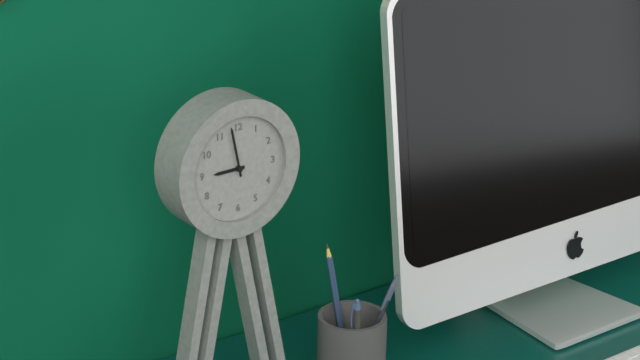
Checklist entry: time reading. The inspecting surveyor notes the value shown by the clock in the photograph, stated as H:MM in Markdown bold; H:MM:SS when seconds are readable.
**8:58**
